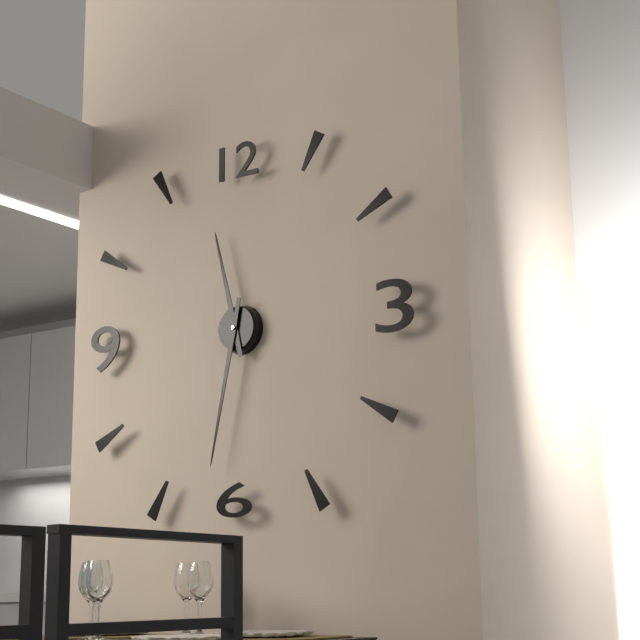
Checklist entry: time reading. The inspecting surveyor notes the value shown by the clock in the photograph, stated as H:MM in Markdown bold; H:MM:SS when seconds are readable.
**11:32**
